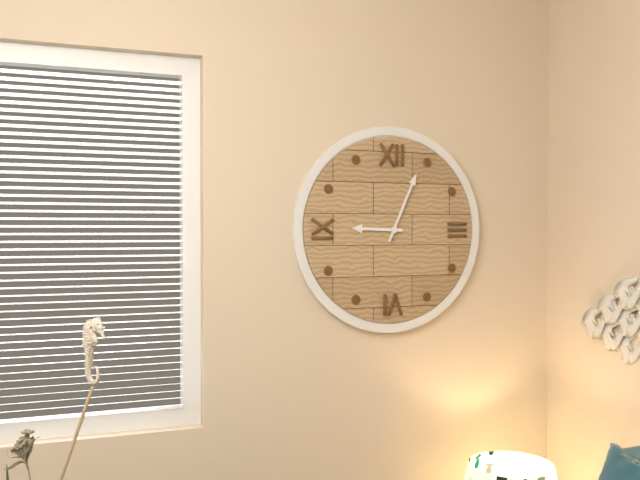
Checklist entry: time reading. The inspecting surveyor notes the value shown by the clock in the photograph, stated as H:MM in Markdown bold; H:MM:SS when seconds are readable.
**9:04**
